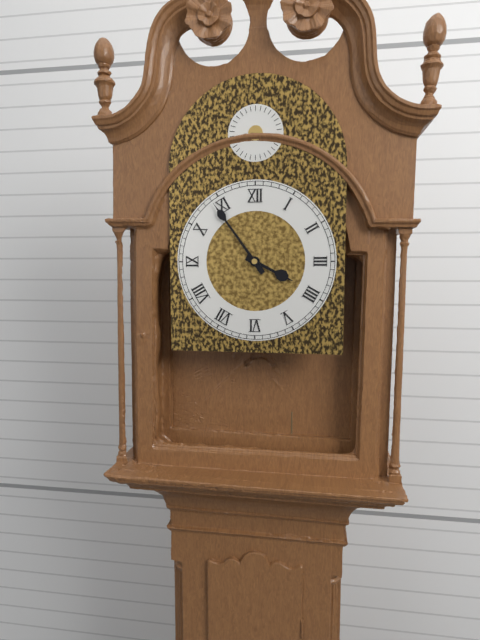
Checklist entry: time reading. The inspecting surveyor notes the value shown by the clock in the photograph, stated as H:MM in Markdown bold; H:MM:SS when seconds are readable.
**3:54**
